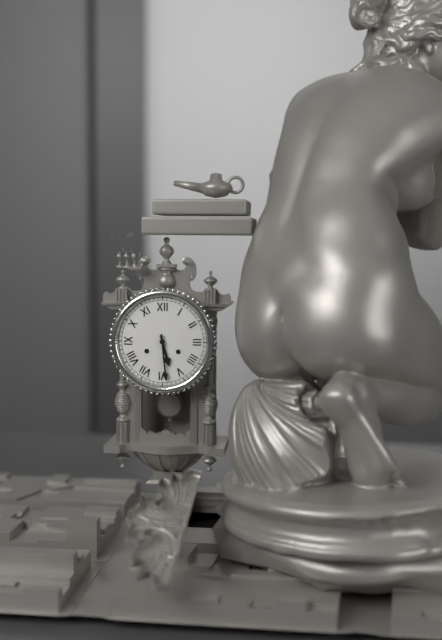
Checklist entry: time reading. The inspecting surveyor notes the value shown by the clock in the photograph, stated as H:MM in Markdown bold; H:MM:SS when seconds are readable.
**5:29**
